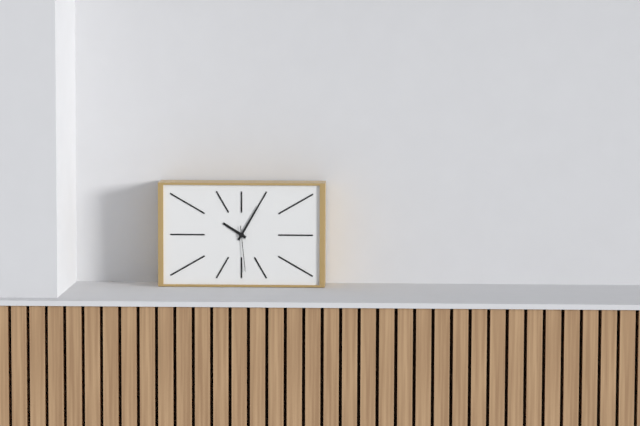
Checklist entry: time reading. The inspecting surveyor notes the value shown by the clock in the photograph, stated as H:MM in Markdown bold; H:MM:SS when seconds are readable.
**10:05**
